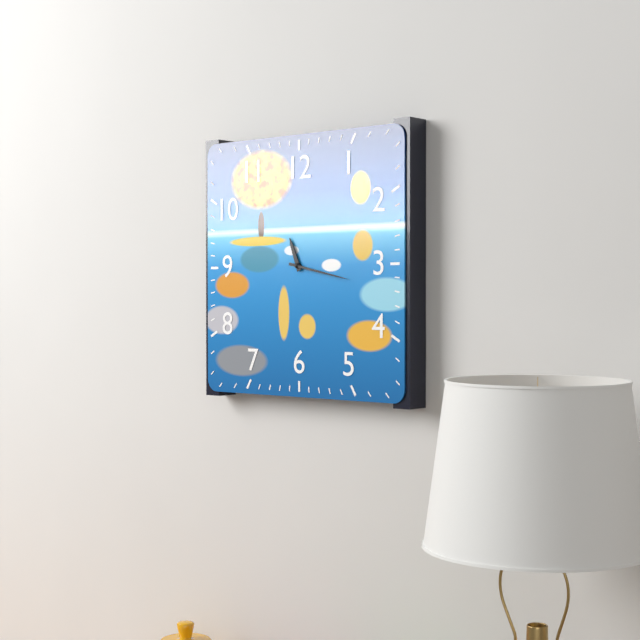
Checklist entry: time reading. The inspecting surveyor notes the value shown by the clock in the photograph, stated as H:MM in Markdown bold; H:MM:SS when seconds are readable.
**11:17**
